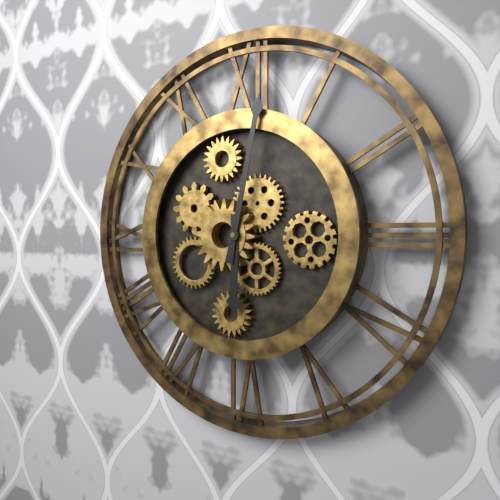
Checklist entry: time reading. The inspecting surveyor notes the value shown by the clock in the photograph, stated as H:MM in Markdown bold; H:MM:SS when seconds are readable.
**6:02**
